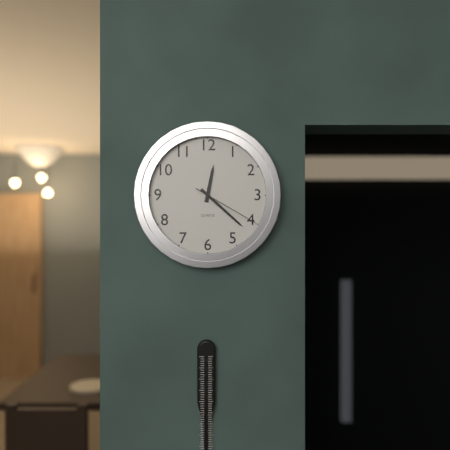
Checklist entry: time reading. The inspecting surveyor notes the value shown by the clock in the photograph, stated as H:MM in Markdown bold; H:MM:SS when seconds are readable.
**12:22:20**
